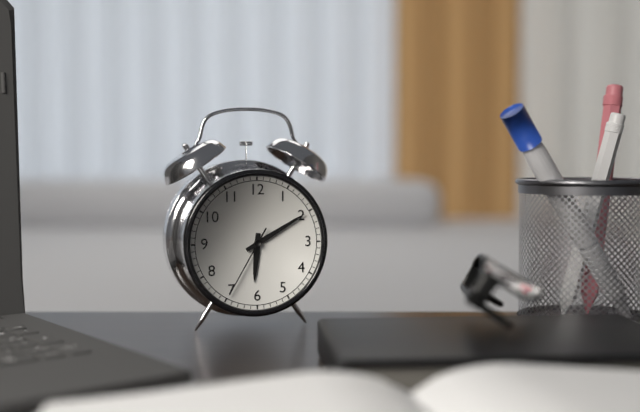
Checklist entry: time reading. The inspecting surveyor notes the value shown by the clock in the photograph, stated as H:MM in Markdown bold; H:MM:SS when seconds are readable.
**6:10:35**
